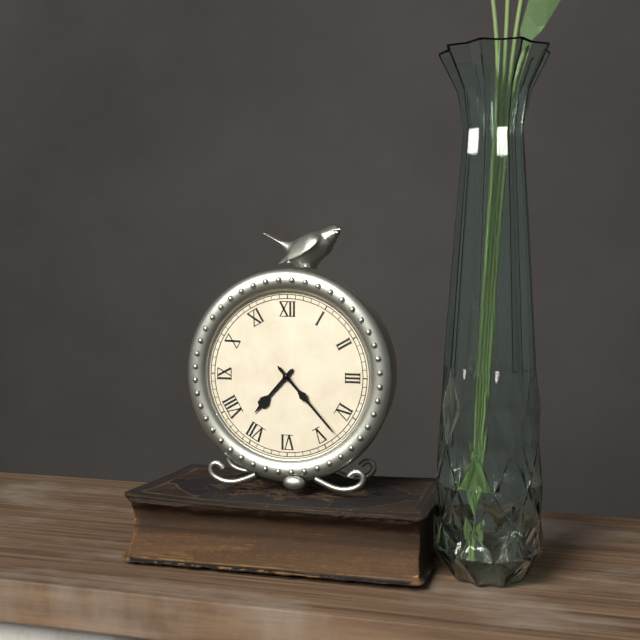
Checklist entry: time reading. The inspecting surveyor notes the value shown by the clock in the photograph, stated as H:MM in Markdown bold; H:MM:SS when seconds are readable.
**7:23**
